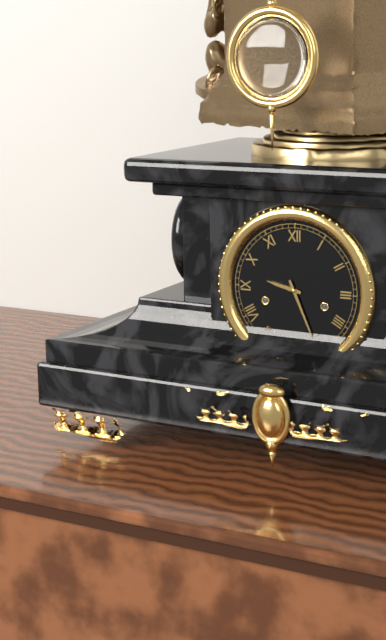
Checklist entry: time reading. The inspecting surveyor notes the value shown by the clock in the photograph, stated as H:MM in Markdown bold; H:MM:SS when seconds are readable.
**9:26**
